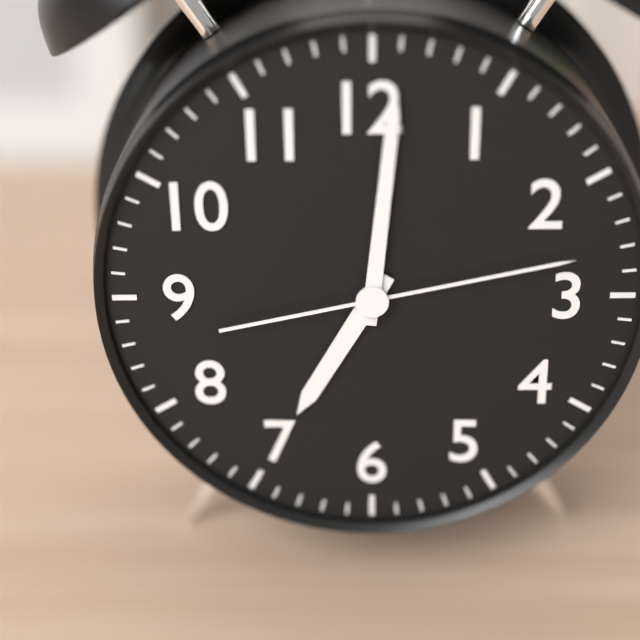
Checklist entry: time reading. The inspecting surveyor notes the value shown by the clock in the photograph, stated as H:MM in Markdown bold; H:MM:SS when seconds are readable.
**7:01:13**
